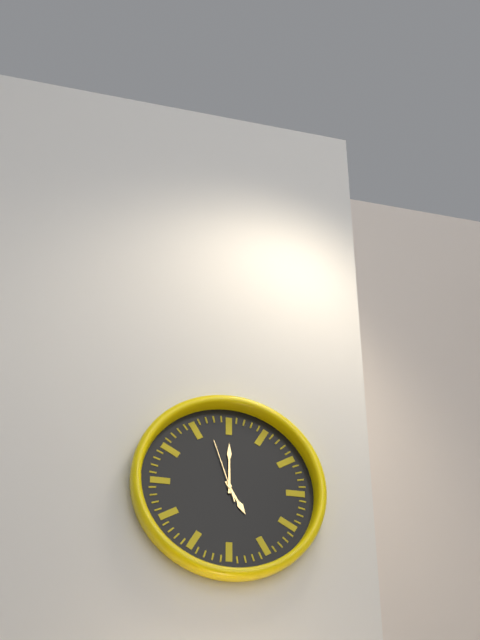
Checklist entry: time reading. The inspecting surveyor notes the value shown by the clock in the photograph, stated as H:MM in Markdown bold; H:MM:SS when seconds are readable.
**5:00:57**
